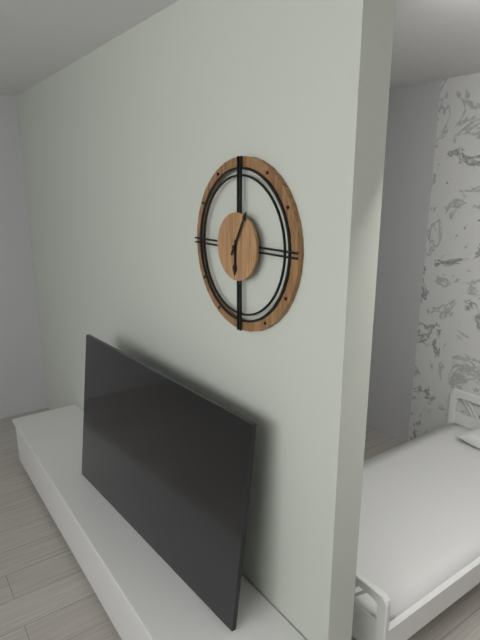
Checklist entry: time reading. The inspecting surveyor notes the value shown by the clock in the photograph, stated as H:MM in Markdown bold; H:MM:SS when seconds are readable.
**6:05**
